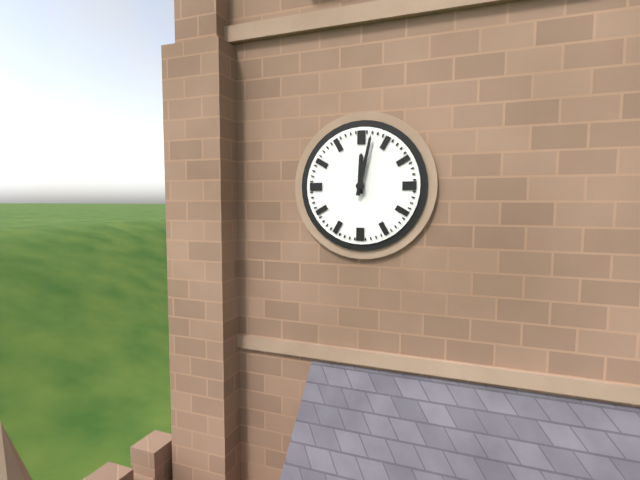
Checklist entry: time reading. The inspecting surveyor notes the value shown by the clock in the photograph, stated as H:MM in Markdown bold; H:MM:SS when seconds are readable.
**12:02**
